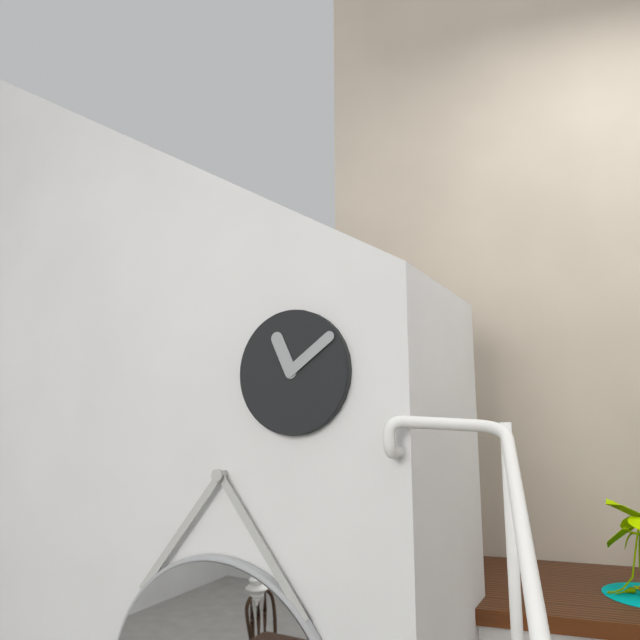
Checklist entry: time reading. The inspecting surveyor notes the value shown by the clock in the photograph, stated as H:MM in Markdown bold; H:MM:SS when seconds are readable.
**11:09**
